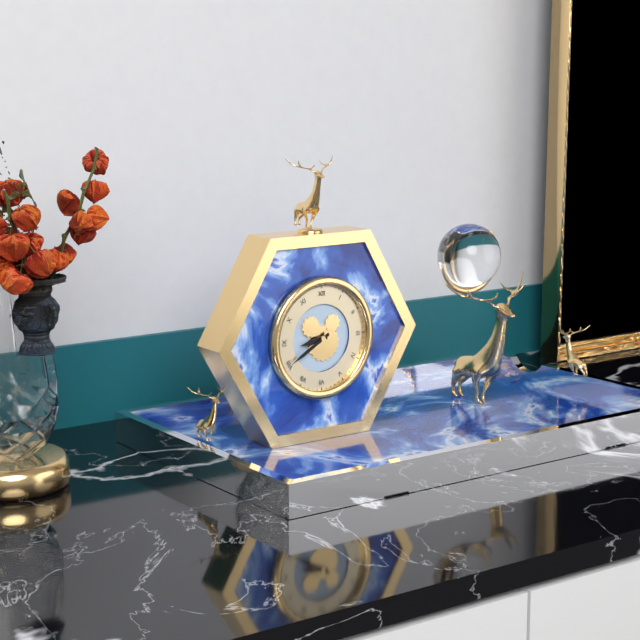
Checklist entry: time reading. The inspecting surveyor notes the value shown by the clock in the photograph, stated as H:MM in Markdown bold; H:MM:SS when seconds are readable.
**8:40**
